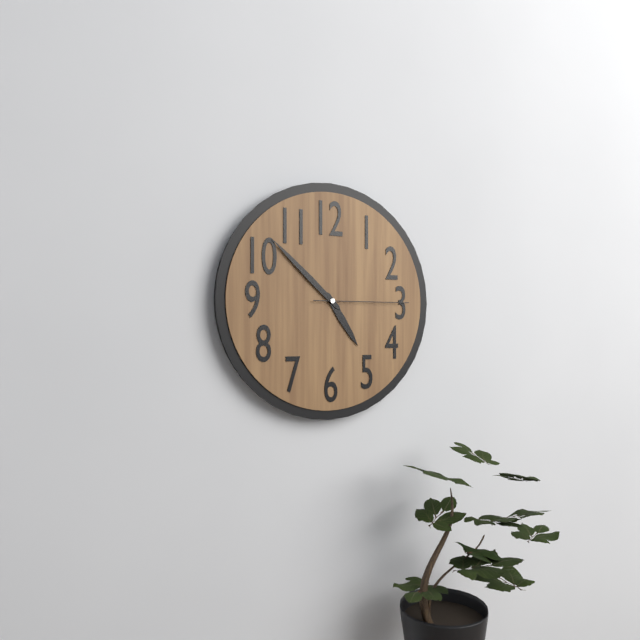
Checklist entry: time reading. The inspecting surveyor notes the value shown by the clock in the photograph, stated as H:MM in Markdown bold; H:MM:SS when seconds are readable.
**4:52:15**
